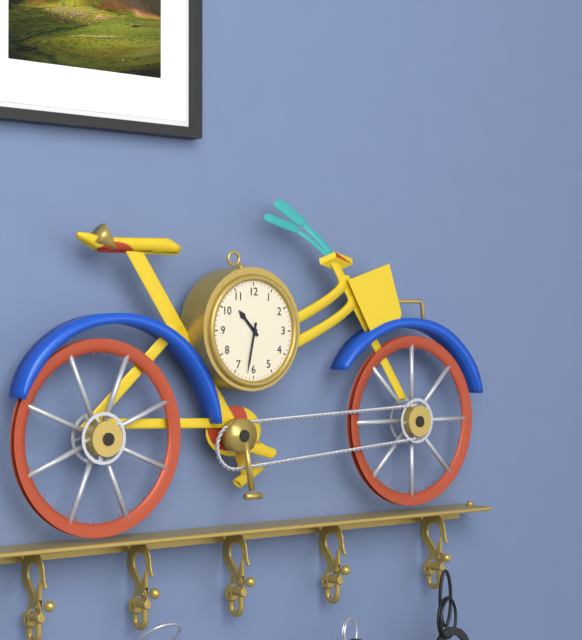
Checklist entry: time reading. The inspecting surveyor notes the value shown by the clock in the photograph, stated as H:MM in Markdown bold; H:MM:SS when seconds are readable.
**10:32**
